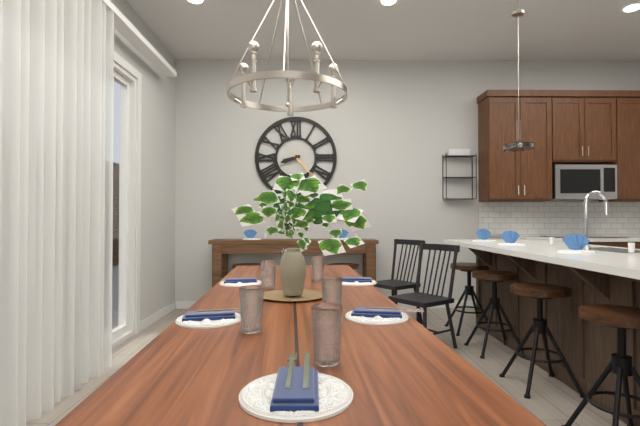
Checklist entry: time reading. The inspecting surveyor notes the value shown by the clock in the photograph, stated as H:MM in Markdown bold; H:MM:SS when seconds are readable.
**8:23**
